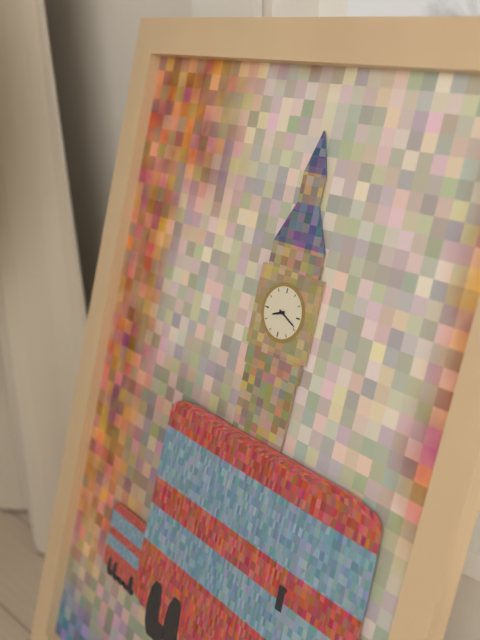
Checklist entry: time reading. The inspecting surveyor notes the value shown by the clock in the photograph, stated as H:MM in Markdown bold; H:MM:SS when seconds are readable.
**8:19**
